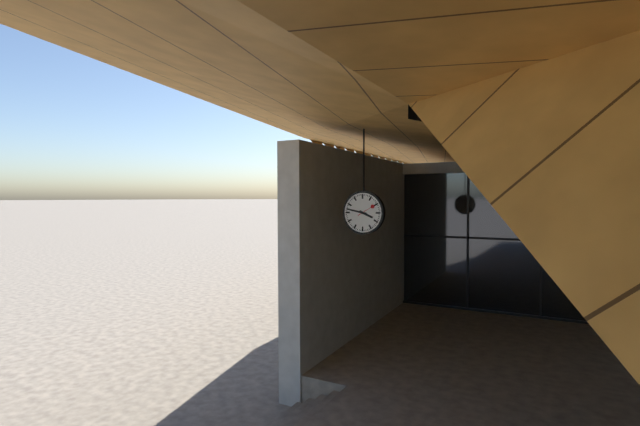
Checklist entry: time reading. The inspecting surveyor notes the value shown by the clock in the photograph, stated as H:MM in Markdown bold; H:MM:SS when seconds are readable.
**3:47**
